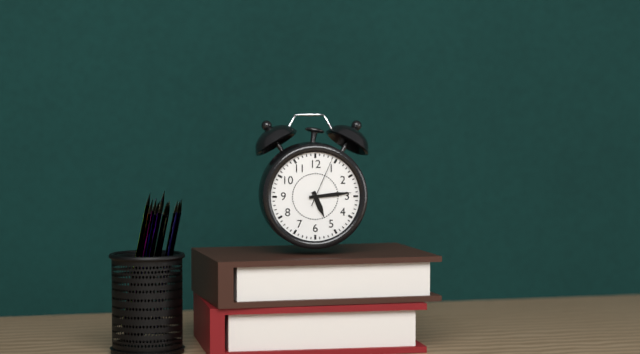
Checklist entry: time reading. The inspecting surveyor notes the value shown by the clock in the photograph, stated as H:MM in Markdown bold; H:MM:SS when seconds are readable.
**5:14:04**
